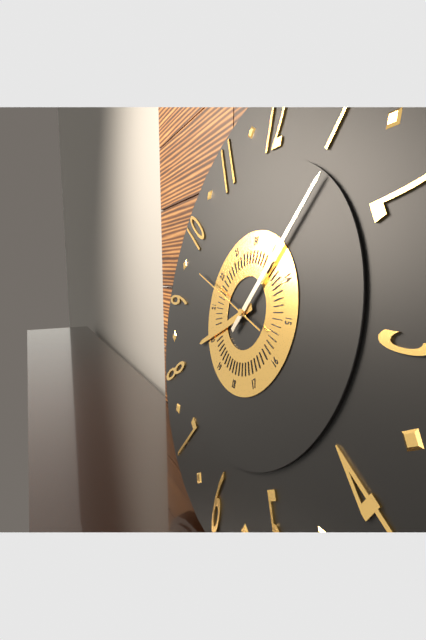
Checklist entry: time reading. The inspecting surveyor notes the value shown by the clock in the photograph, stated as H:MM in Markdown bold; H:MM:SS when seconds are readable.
**8:06:48**
